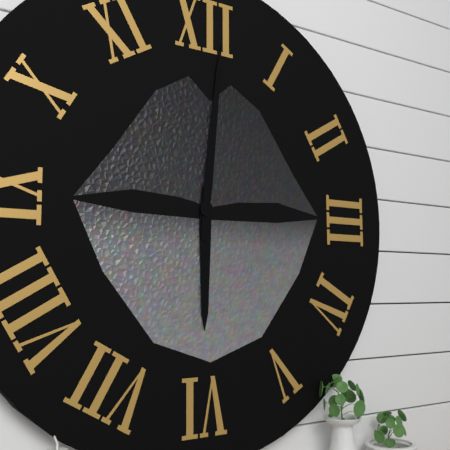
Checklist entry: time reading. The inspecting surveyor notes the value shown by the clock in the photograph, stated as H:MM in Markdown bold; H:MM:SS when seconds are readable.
**6:01**
